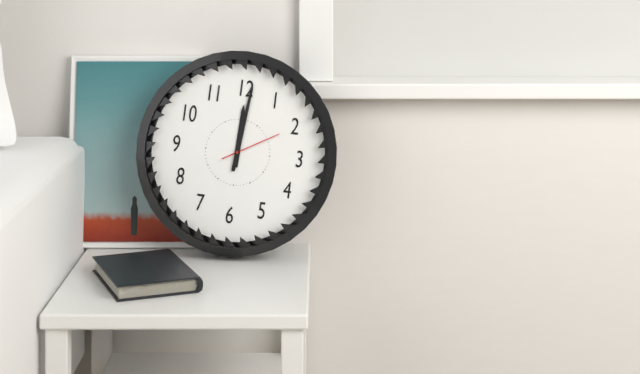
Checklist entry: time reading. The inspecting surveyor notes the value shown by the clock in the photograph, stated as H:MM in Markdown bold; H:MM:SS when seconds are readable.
**12:01:10**
